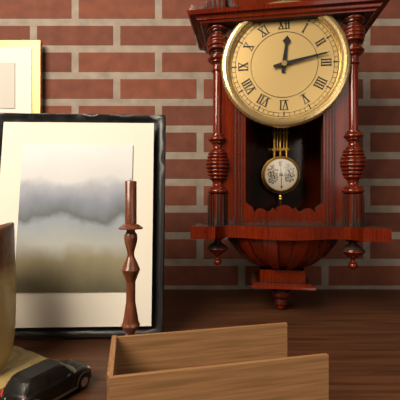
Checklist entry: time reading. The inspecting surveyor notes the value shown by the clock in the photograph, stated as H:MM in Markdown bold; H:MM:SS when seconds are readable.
**12:13**
